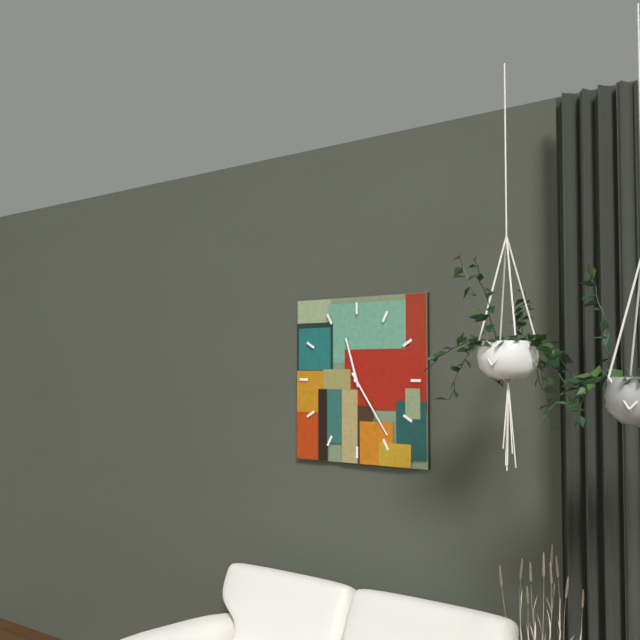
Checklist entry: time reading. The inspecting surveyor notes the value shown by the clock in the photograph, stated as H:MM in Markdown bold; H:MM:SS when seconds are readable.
**11:24**
